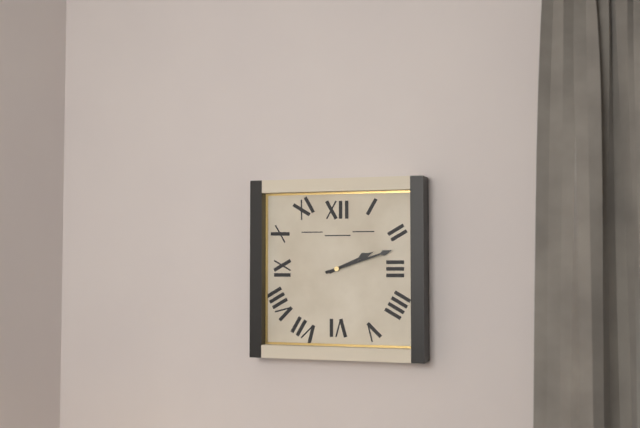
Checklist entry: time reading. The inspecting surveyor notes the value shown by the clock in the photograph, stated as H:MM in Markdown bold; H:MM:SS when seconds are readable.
**2:12**
